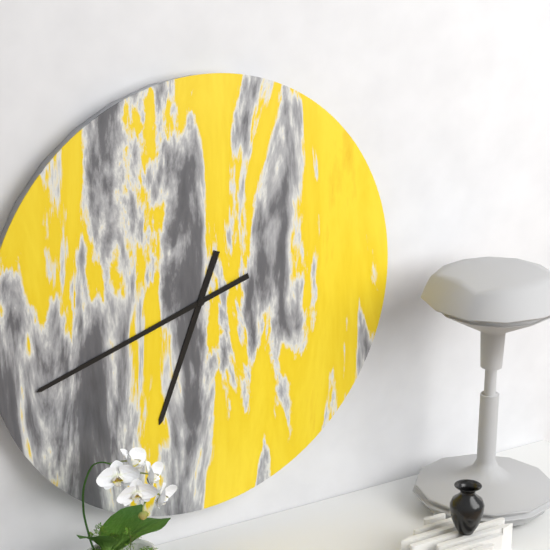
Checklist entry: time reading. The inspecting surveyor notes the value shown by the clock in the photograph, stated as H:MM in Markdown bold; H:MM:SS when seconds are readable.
**6:42**
